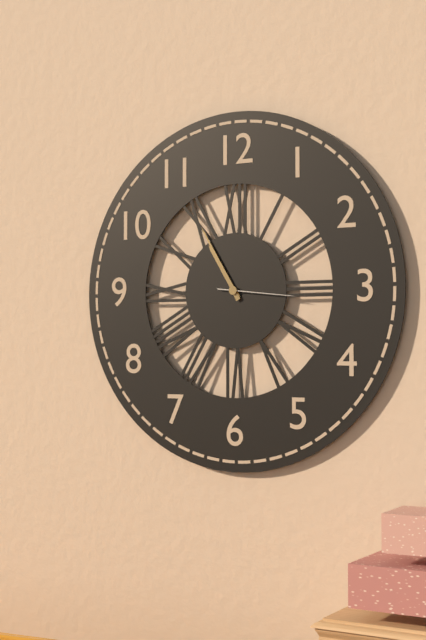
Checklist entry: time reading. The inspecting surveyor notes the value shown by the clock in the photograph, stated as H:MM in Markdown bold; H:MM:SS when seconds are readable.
**10:55:16**
